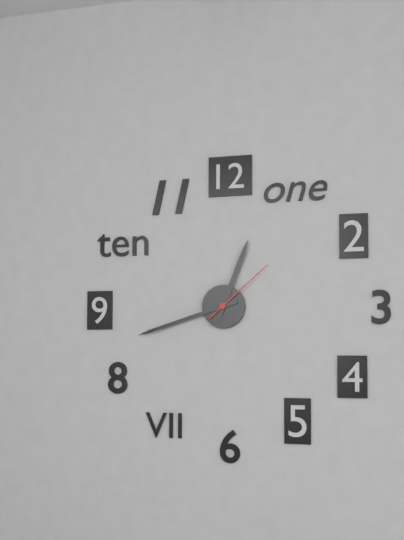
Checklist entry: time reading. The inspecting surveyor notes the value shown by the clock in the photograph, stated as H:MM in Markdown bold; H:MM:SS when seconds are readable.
**12:42:08**
